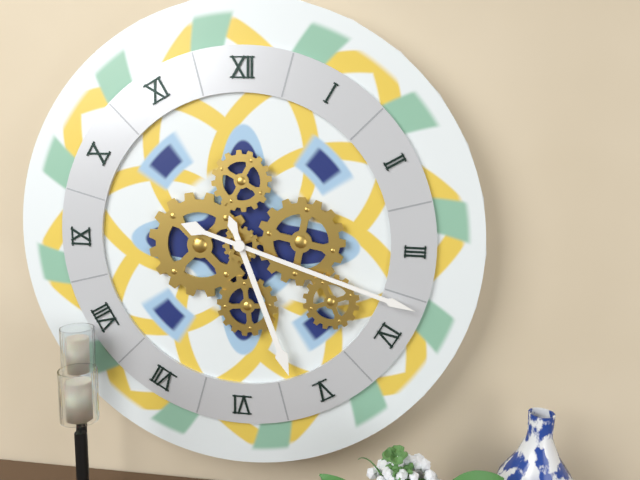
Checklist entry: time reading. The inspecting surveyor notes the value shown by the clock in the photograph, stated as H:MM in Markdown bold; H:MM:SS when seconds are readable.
**5:18**
